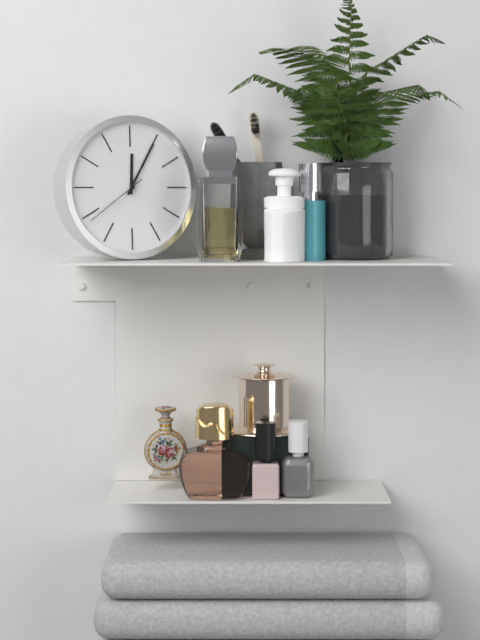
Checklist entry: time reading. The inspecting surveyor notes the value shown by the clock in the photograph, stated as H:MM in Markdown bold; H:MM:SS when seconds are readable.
**12:05:39**
